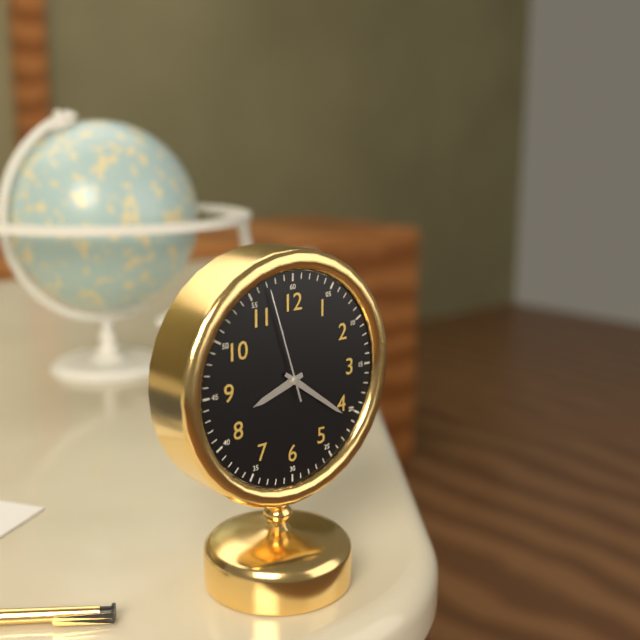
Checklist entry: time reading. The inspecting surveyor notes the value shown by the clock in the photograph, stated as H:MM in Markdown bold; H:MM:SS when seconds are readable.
**8:21:57**
